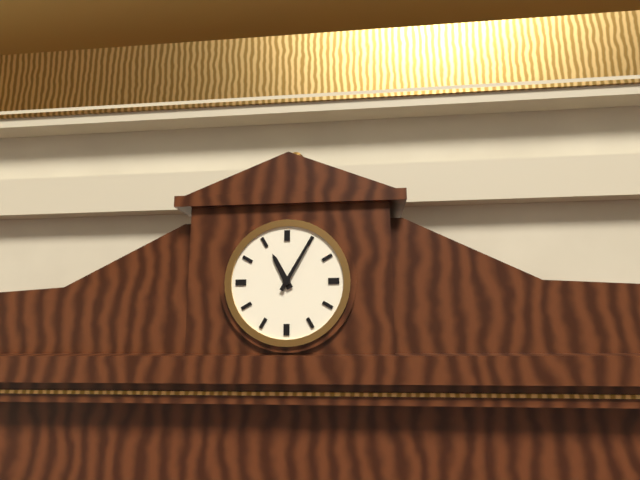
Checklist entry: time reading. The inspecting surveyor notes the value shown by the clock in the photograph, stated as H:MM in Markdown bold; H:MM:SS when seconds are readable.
**11:05**
